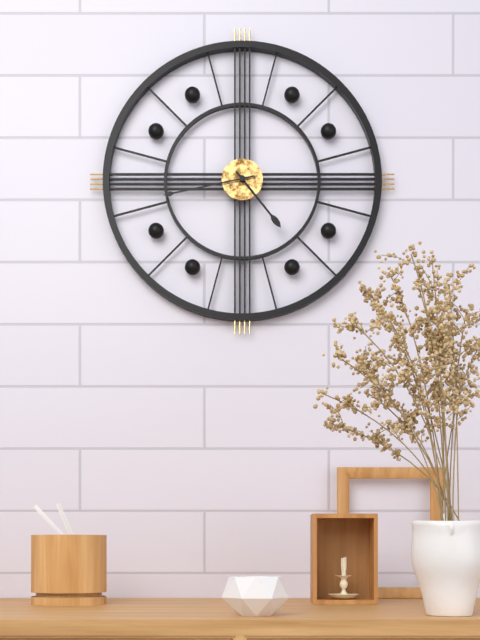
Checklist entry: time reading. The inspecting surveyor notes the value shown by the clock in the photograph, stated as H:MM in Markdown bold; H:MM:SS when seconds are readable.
**4:43**
